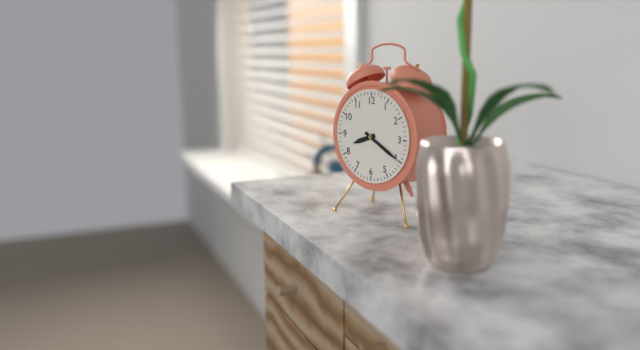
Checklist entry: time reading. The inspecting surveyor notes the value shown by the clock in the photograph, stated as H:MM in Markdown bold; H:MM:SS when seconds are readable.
**8:20**
